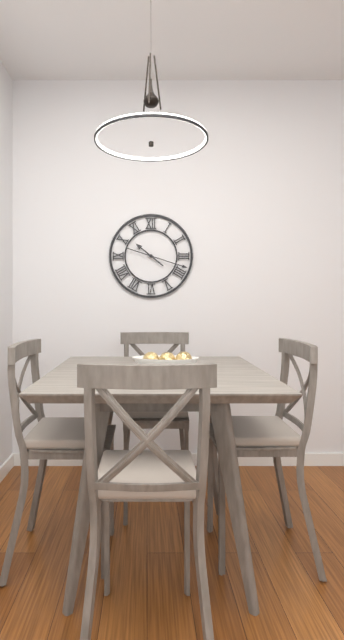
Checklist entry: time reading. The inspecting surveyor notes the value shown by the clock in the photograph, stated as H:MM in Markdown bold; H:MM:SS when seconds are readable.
**10:18**
